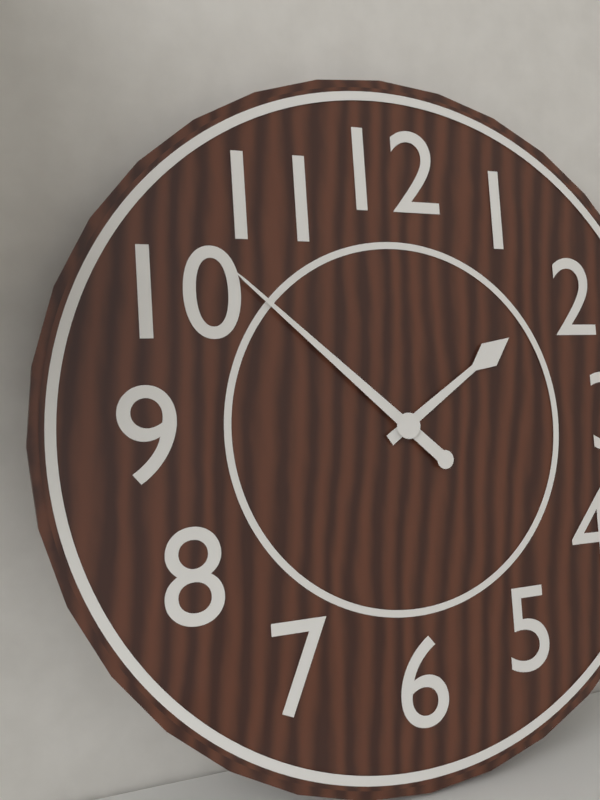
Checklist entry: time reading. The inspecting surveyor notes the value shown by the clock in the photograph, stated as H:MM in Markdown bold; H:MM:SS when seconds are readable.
**1:52**
